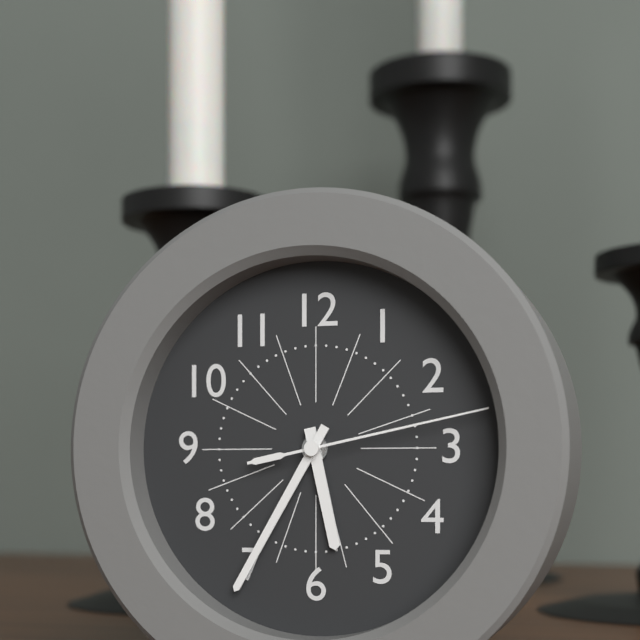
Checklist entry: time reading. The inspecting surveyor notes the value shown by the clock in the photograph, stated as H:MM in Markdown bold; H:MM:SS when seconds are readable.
**5:35:13**
